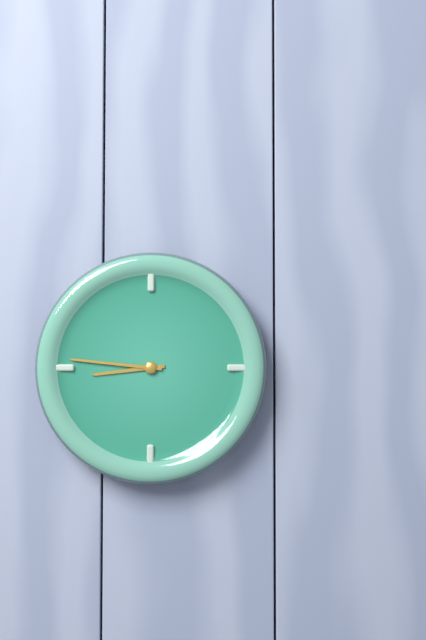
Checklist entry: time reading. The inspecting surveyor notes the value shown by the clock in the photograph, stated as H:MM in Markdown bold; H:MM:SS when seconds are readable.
**8:46**
